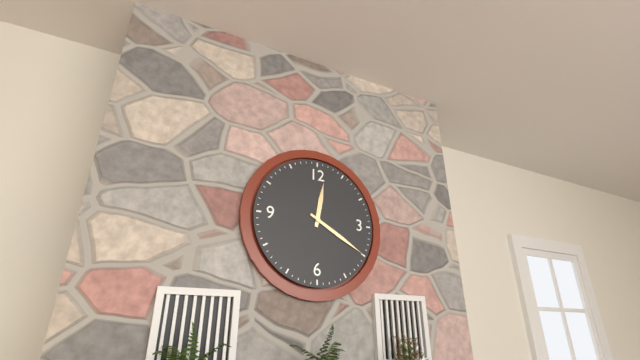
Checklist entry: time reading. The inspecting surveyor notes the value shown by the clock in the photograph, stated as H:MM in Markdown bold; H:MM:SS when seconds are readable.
**12:20**
